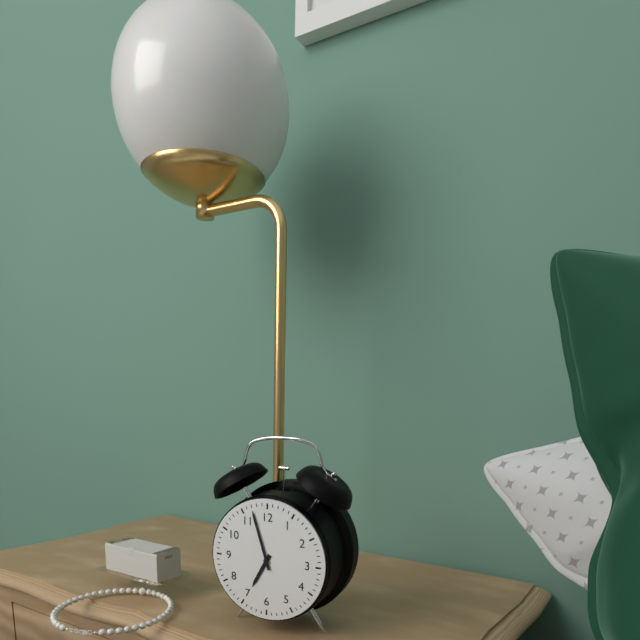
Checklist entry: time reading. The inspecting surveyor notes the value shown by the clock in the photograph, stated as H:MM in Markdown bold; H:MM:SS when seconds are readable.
**6:57**
